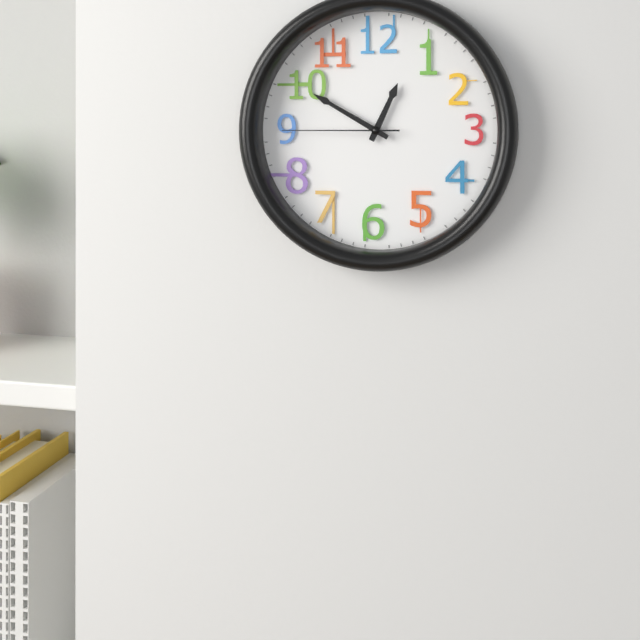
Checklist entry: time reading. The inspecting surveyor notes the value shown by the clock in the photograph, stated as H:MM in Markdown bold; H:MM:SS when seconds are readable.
**12:50:45**
